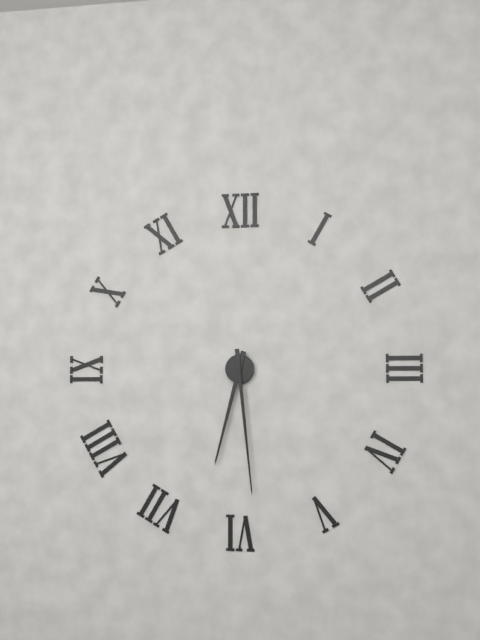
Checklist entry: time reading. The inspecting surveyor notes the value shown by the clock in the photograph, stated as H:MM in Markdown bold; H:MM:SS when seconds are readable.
**6:29**
